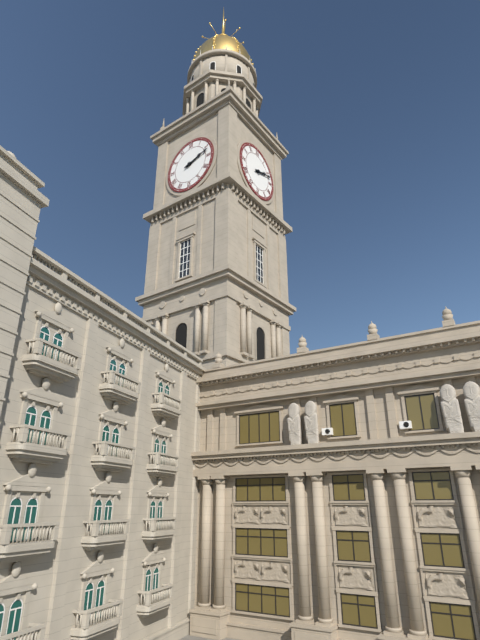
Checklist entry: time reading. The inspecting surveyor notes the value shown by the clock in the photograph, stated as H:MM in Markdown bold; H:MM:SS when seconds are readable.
**2:12**
